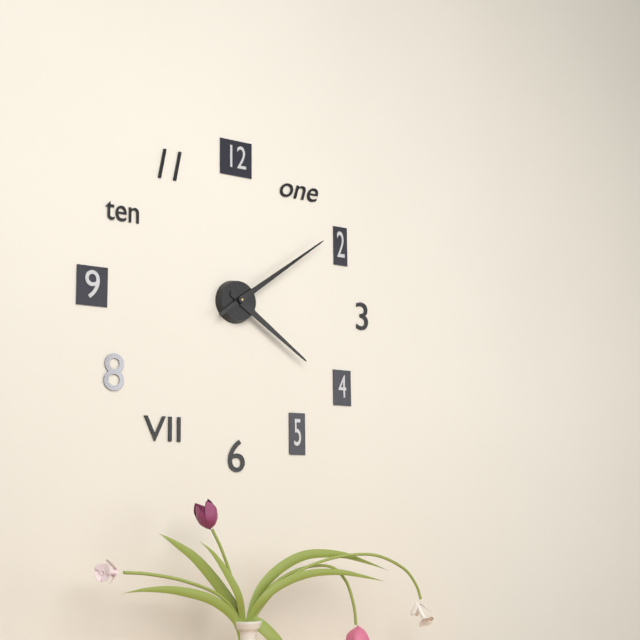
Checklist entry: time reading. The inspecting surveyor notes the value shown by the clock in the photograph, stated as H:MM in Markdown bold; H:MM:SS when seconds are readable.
**4:09**
